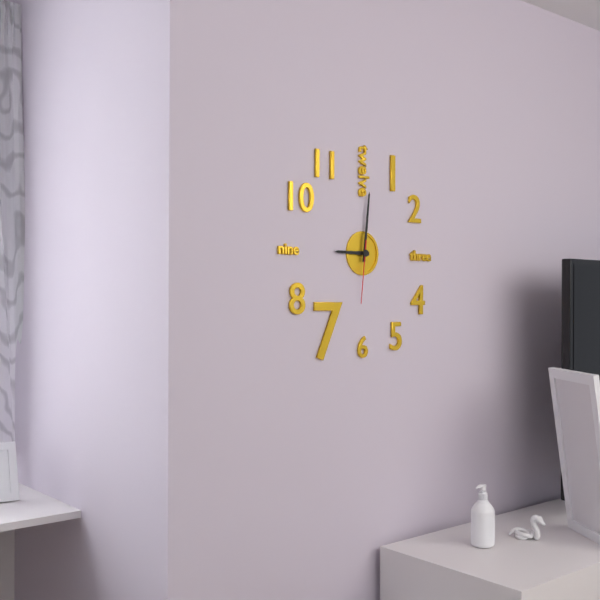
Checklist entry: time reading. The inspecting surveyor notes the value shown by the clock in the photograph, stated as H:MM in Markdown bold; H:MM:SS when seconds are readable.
**9:01:31**
